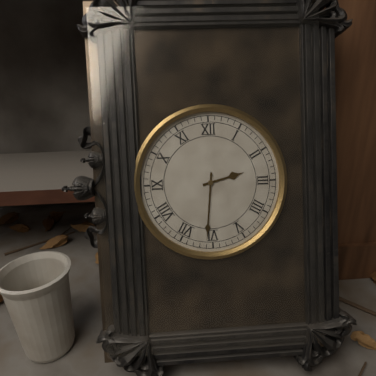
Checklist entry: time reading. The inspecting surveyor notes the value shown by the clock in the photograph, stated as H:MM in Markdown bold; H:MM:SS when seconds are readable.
**2:31**
